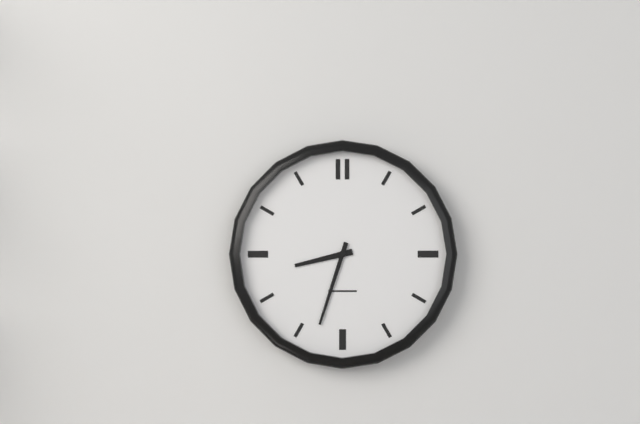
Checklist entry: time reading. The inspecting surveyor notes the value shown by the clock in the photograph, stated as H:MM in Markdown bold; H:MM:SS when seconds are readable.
**8:33**
